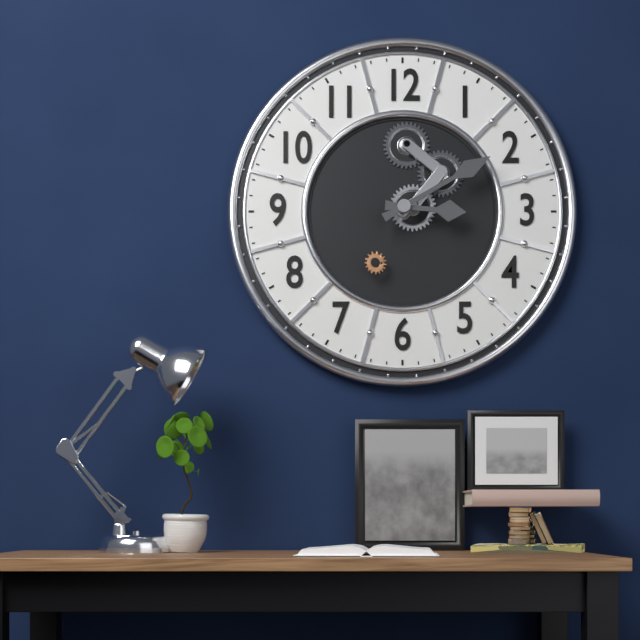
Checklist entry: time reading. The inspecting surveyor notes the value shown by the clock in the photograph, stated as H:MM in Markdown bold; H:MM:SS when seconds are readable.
**3:10**
